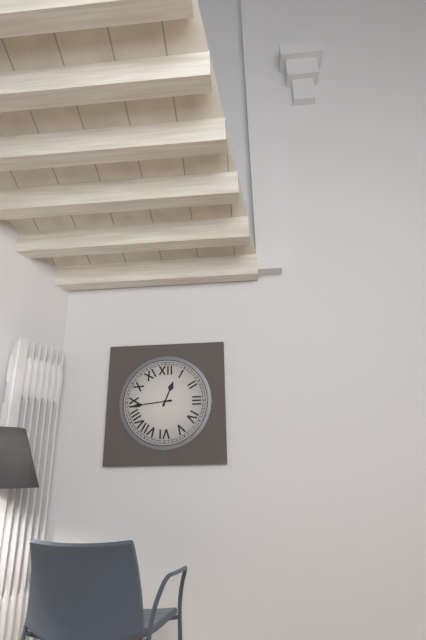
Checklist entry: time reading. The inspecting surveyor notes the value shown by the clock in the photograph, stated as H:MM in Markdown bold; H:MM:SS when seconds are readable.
**12:44**
